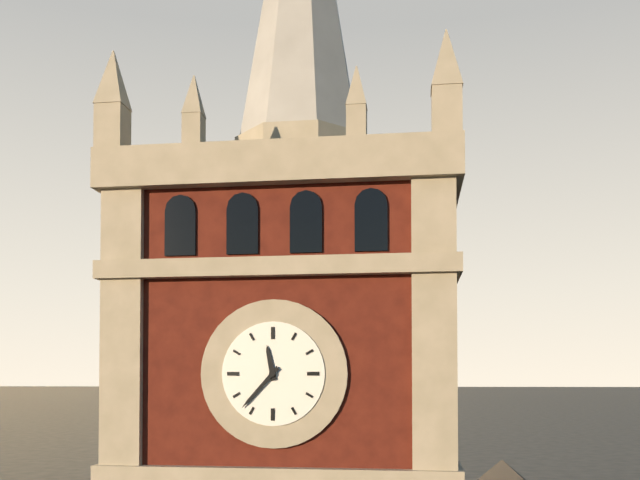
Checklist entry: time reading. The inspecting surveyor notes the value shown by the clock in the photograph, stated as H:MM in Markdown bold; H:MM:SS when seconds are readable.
**11:37**
